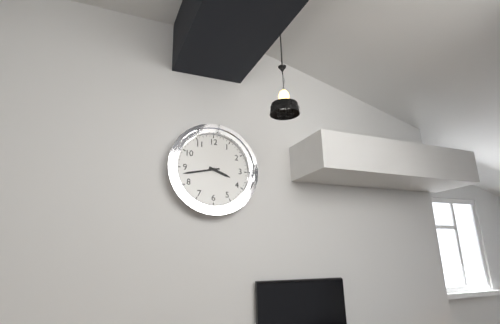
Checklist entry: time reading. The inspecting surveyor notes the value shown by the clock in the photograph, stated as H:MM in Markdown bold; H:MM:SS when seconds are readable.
**3:43**
